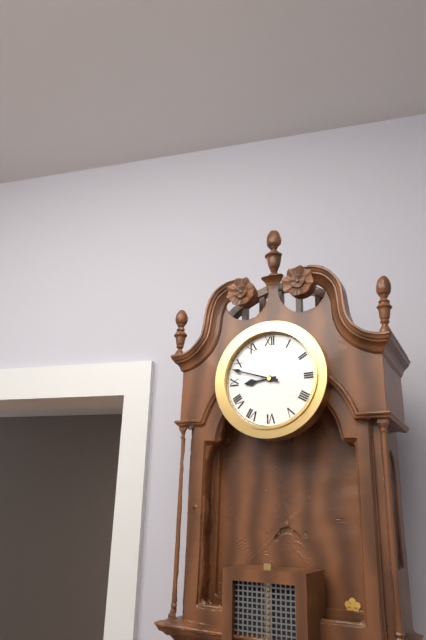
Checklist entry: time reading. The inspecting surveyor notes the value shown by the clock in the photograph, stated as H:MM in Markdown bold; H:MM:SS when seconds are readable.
**8:48**
